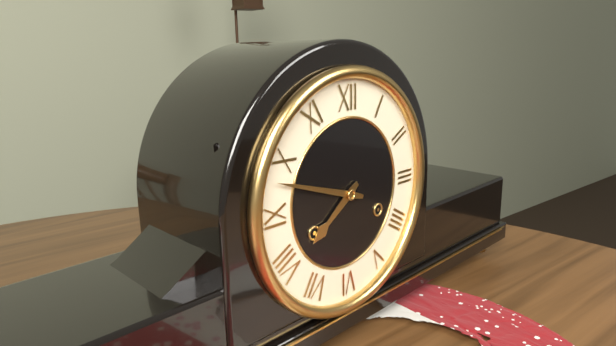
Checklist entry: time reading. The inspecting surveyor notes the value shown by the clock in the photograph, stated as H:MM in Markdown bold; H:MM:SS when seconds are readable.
**7:48**
